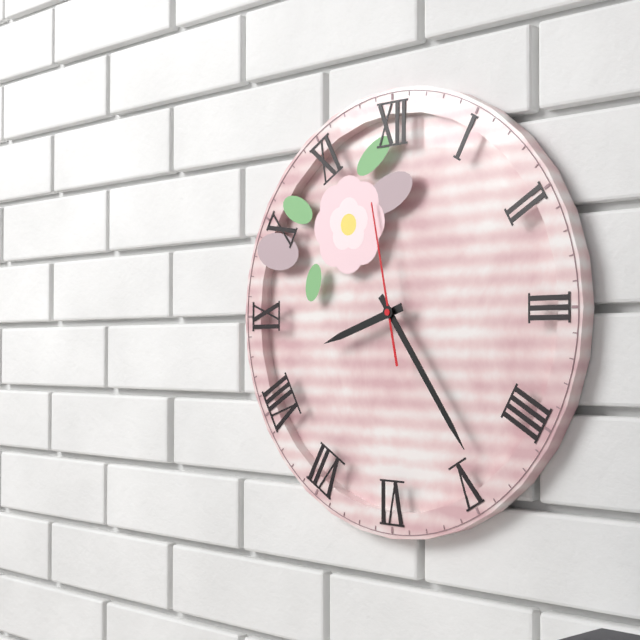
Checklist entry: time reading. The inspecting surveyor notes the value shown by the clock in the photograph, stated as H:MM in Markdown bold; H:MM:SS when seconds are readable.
**8:24:58**
